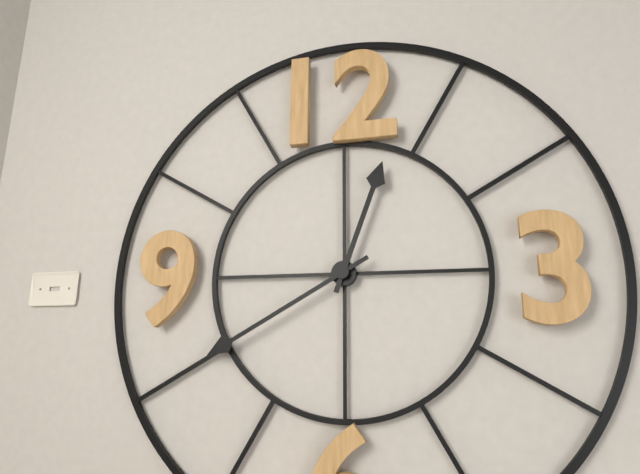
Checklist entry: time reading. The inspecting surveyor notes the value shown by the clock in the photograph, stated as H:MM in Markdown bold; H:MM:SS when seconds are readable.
**12:40**
